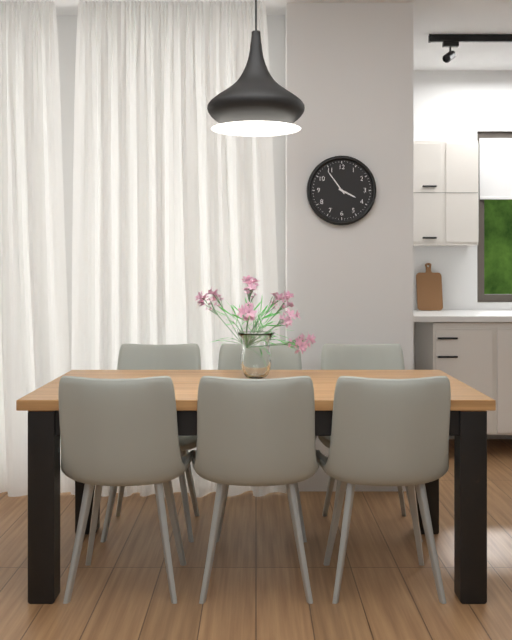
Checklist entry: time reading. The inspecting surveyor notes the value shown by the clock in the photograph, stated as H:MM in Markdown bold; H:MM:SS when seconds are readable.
**3:54**
